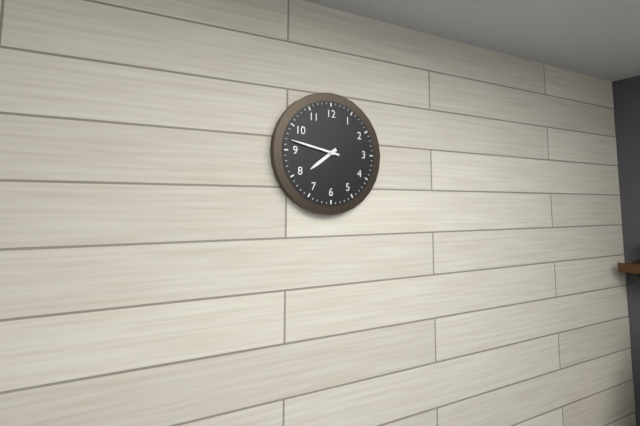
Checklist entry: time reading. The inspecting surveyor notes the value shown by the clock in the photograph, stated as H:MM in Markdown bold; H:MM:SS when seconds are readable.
**7:47**
